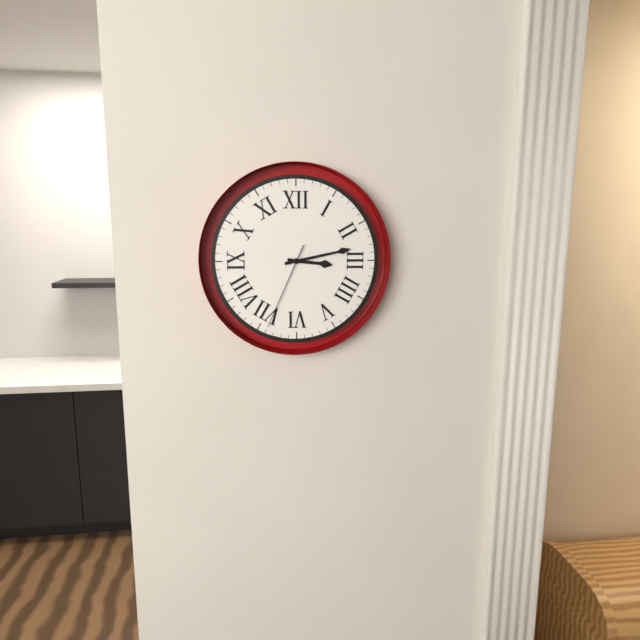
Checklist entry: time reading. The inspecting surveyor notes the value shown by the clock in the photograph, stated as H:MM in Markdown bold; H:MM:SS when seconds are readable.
**3:13:34**
